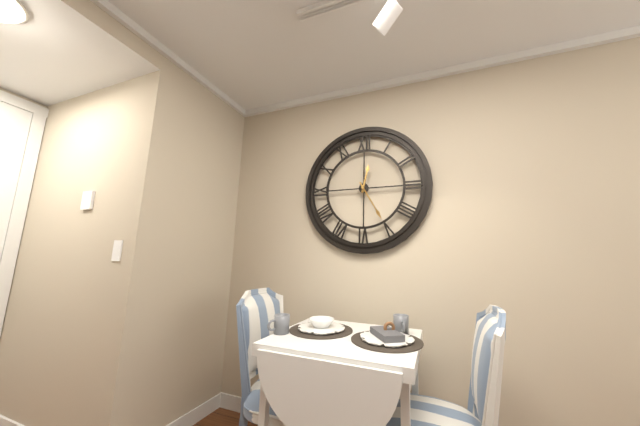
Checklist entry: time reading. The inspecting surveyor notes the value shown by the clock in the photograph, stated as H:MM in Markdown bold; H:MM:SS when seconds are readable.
**12:25**
